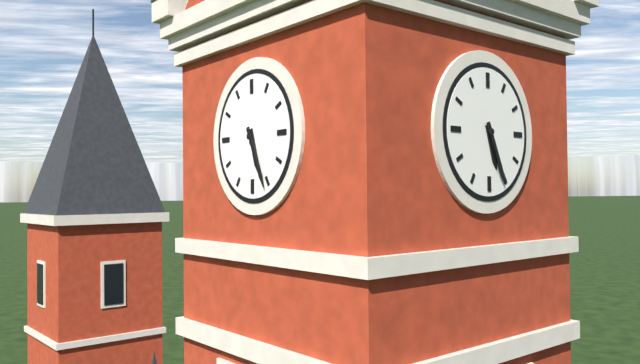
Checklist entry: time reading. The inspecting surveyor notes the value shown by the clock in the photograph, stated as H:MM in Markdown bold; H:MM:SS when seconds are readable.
**5:26**
